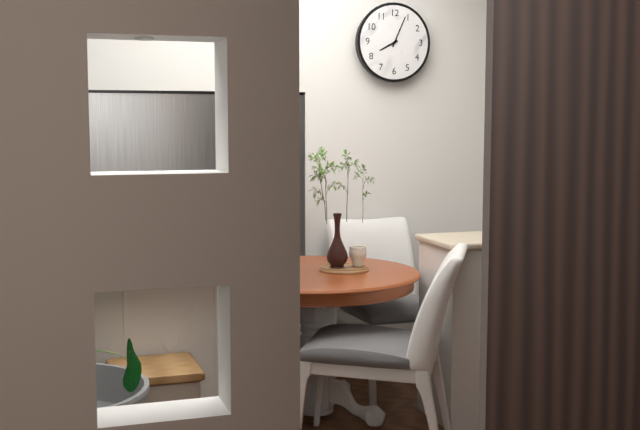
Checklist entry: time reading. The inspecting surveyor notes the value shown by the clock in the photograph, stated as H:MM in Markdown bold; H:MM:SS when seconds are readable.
**8:04**
